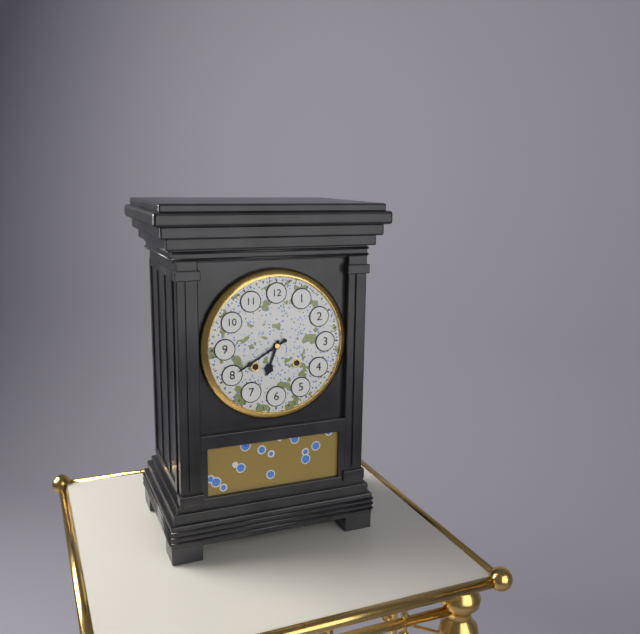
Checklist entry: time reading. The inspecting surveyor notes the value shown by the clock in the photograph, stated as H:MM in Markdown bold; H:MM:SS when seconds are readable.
**6:40**
